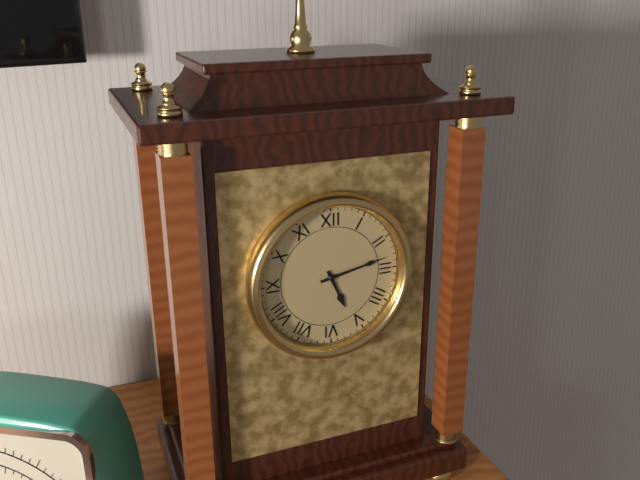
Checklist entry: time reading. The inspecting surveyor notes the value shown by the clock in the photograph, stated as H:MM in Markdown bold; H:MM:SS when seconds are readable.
**5:13**
